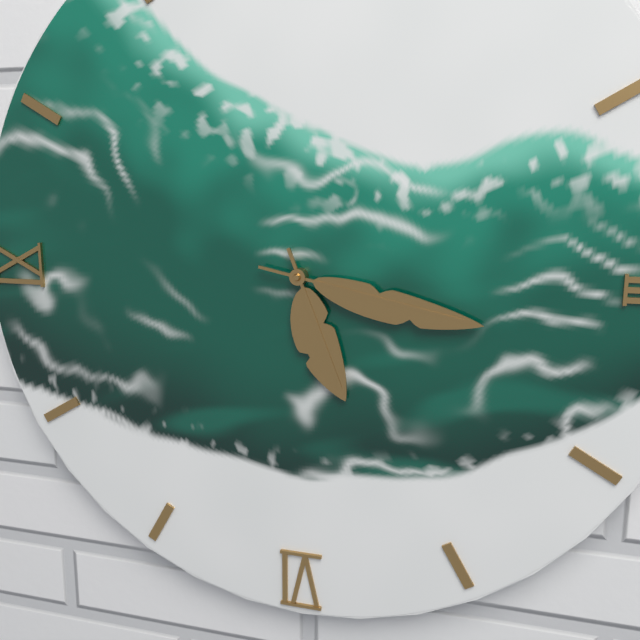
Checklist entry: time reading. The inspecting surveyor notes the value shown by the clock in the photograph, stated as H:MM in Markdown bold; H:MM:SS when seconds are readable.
**5:17**
